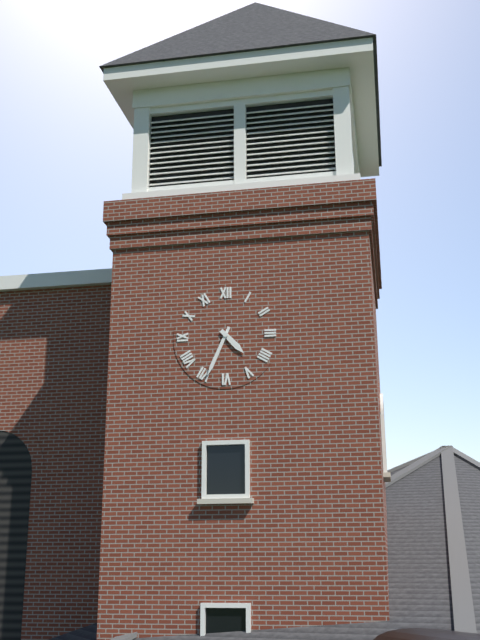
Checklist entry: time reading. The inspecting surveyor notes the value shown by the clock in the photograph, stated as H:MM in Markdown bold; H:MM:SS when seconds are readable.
**4:34**
